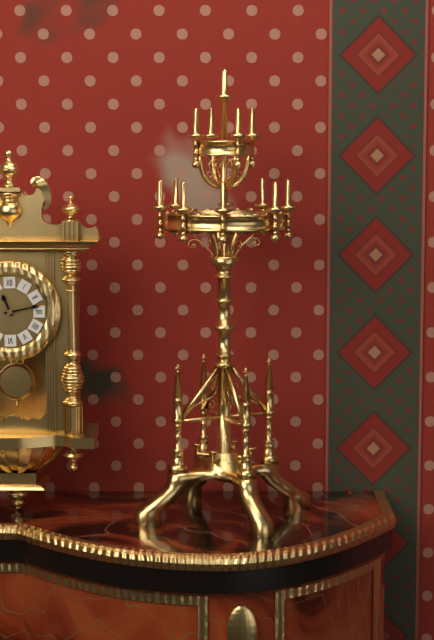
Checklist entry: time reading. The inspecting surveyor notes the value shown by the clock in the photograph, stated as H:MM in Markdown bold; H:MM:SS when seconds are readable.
**11:13**
